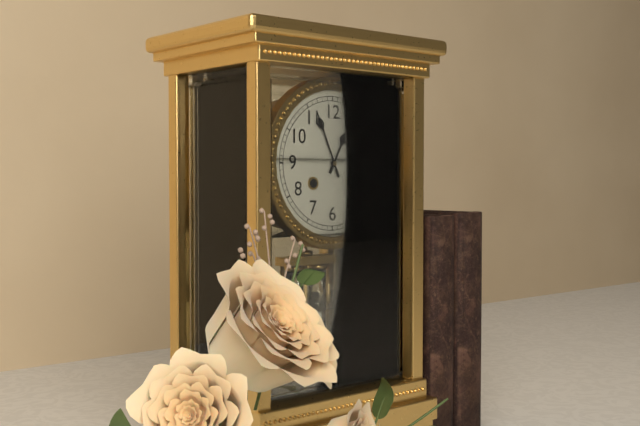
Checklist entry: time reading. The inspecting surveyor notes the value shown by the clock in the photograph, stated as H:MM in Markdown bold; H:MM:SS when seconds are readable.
**12:56**
